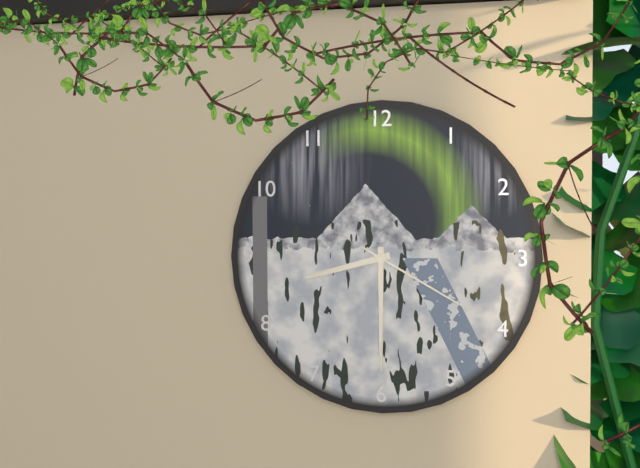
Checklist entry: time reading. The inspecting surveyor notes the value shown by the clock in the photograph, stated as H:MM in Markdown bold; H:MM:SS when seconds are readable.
**8:30:20**
